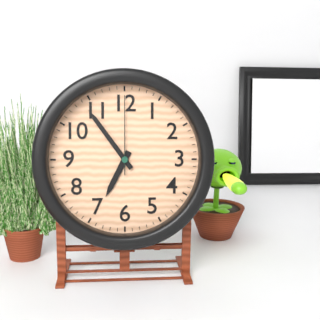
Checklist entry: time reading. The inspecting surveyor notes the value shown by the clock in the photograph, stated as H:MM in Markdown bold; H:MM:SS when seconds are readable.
**6:54:00**
